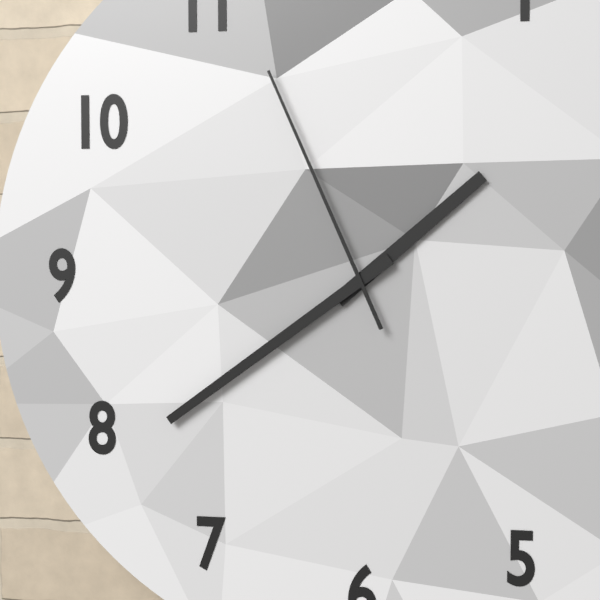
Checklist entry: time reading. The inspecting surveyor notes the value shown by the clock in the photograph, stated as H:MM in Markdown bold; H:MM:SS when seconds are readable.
**1:39:56**
